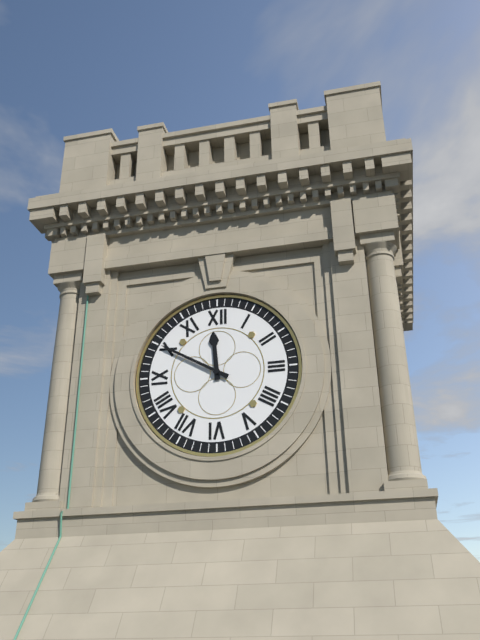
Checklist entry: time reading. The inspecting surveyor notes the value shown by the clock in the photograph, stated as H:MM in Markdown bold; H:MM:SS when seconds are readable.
**11:50**
